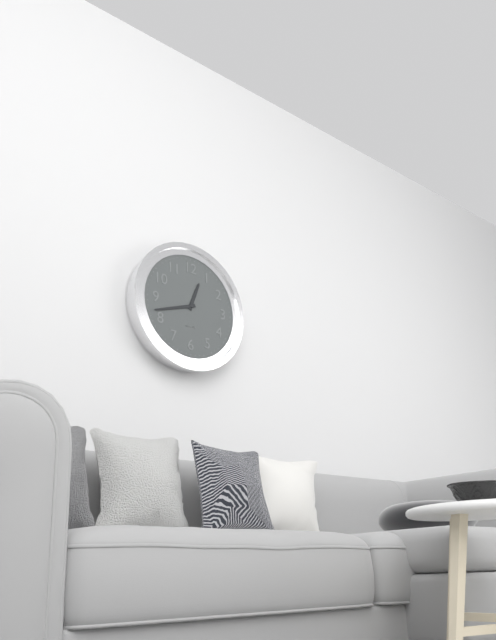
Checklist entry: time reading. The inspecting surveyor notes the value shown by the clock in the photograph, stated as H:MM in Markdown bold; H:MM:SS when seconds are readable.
**12:42**
